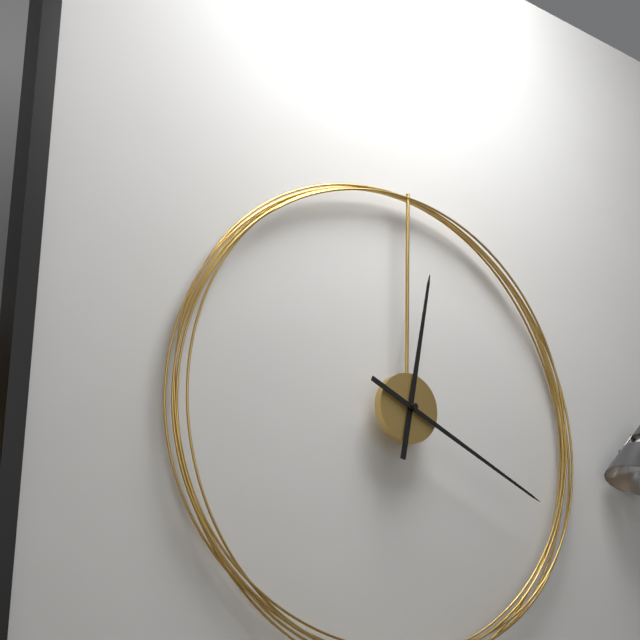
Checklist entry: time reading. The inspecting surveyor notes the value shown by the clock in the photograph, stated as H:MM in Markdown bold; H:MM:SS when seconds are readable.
**12:19**
